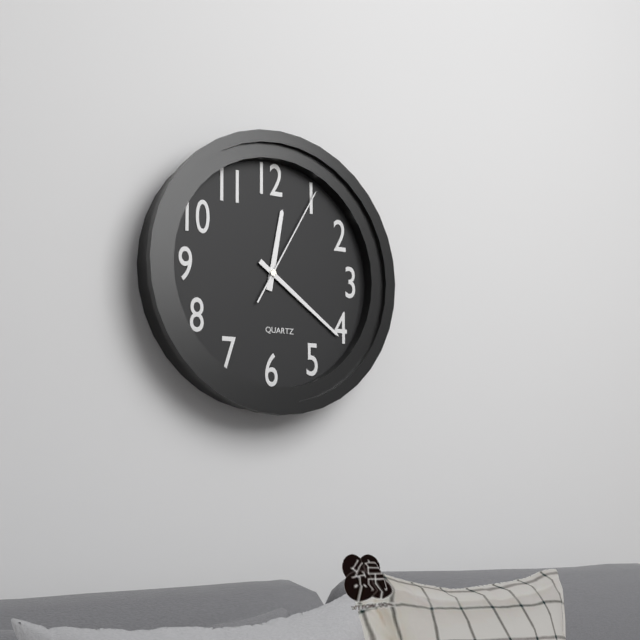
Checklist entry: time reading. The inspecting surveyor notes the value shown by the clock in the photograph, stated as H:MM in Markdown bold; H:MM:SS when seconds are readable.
**12:21:05**
